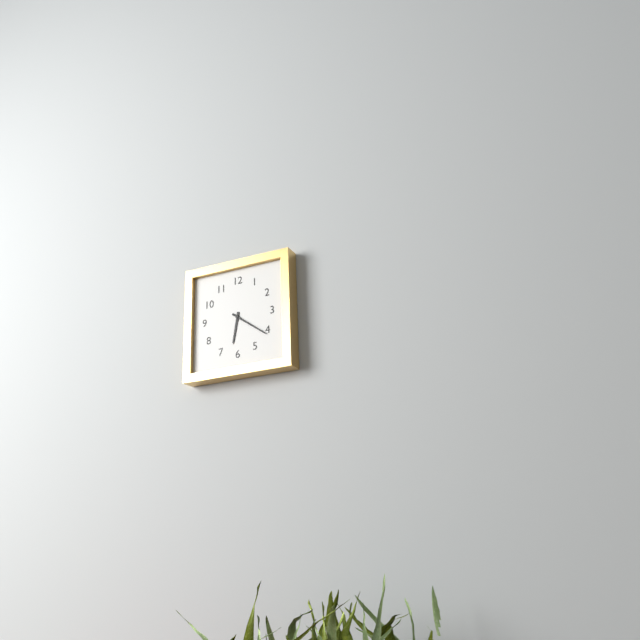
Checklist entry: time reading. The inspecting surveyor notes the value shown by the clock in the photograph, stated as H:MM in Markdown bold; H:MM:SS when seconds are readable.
**6:21**
